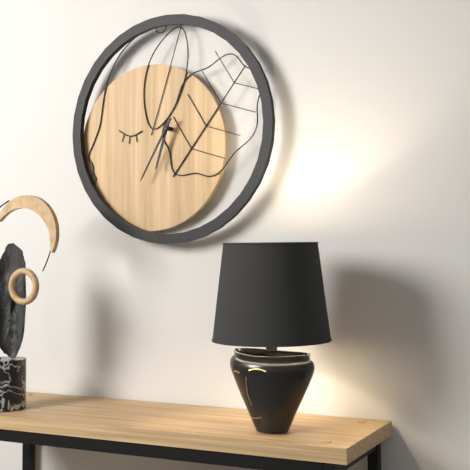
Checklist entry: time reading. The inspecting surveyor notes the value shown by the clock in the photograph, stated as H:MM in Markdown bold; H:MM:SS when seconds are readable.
**6:35**
